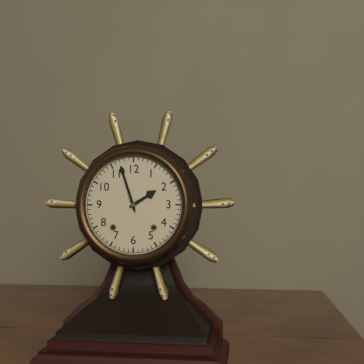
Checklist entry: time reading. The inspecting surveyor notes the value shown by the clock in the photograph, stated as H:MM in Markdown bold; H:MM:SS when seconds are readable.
**1:57**
